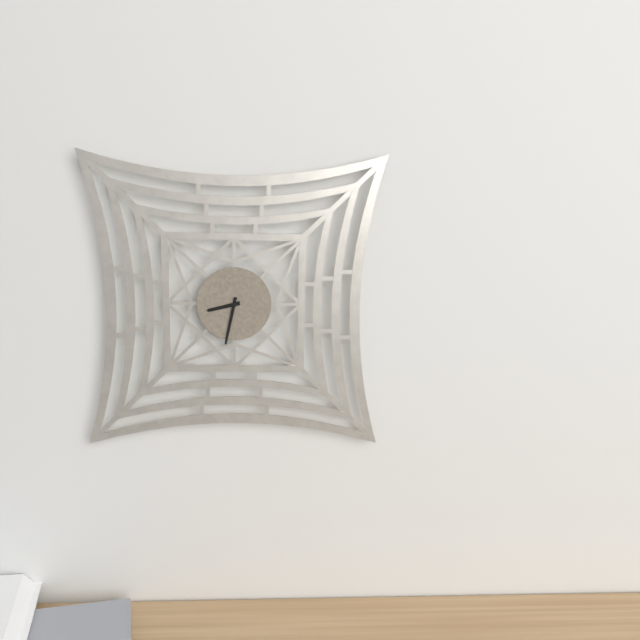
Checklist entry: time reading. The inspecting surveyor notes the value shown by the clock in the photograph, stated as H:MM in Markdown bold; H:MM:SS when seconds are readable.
**8:32**
